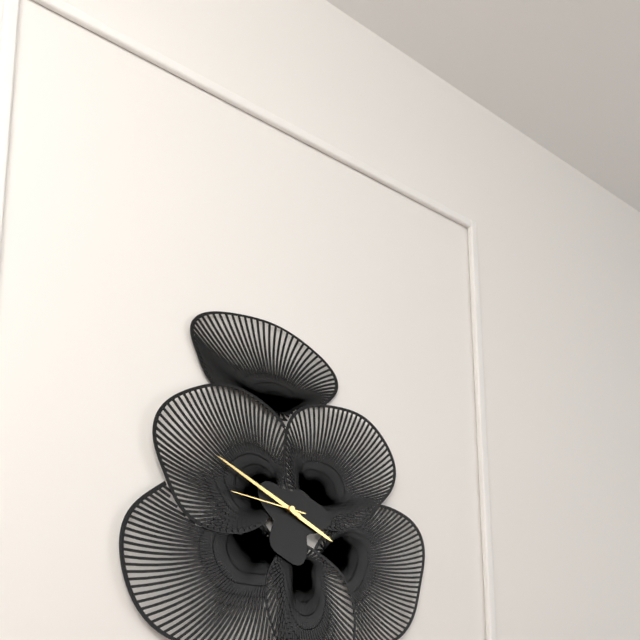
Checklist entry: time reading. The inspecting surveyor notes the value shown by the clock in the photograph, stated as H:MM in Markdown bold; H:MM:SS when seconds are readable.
**3:49:46**
